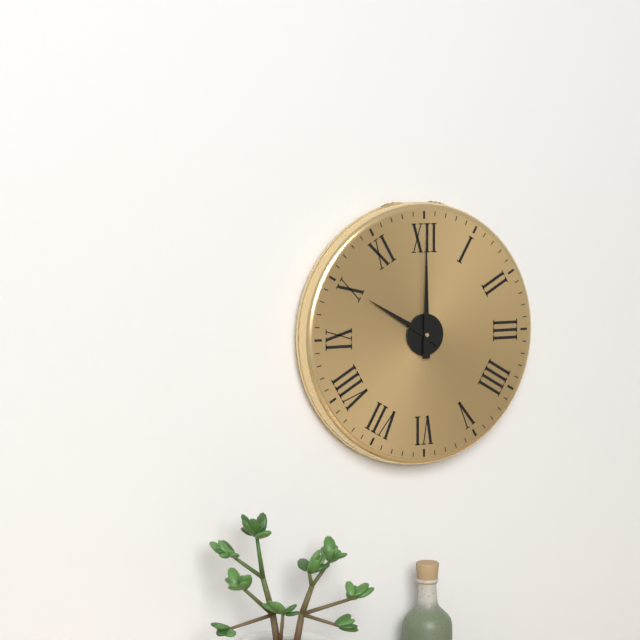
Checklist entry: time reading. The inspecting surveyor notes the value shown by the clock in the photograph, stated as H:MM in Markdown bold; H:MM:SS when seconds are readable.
**10:00**
